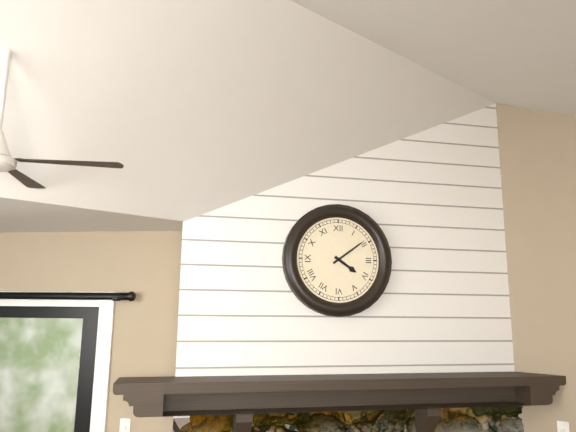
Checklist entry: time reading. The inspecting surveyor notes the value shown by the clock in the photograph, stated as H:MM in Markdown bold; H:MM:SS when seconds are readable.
**4:09**
